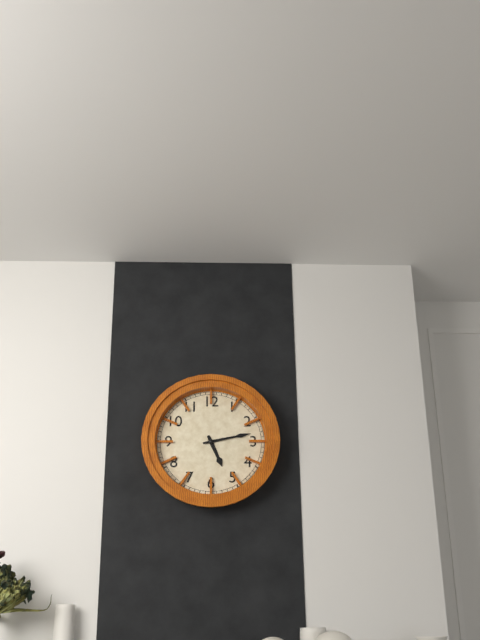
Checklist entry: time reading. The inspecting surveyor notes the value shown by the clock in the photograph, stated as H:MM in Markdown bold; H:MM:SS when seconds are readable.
**5:13**
